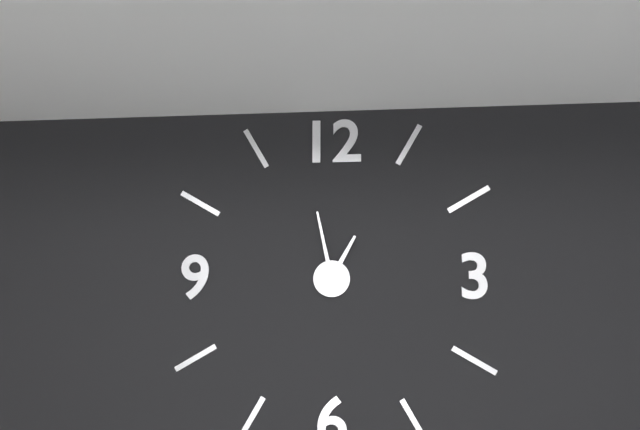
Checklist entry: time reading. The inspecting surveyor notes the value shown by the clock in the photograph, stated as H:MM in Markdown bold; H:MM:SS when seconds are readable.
**12:58**
